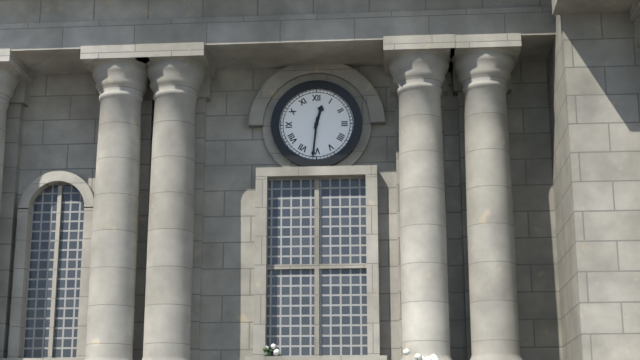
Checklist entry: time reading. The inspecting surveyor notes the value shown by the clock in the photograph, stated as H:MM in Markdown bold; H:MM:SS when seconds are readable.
**12:31**
